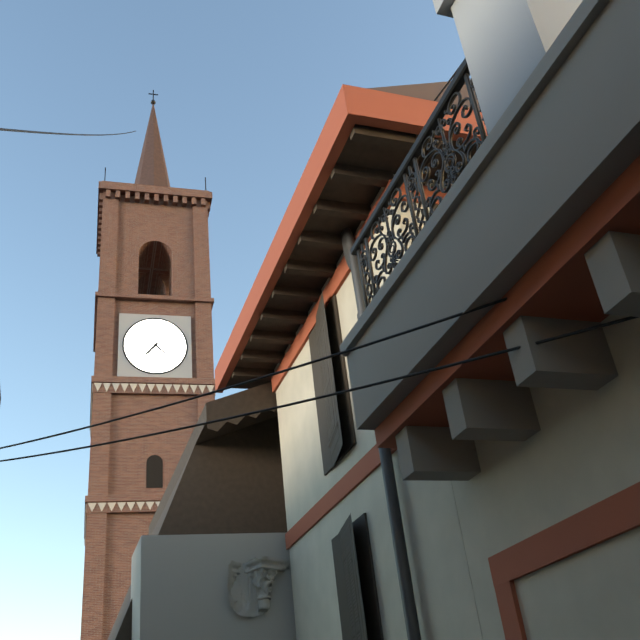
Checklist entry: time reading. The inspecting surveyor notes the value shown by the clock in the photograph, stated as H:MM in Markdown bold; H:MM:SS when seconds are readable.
**7:22**
